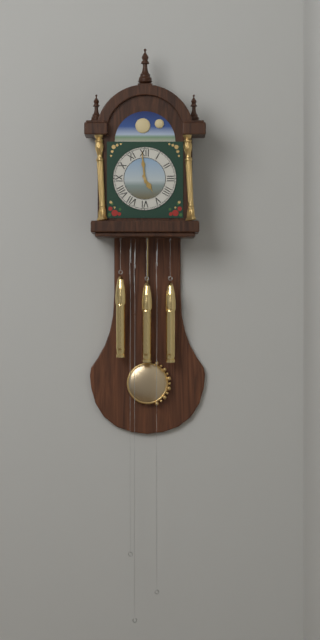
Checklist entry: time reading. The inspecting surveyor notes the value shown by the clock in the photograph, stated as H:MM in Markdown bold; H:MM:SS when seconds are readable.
**4:59**
